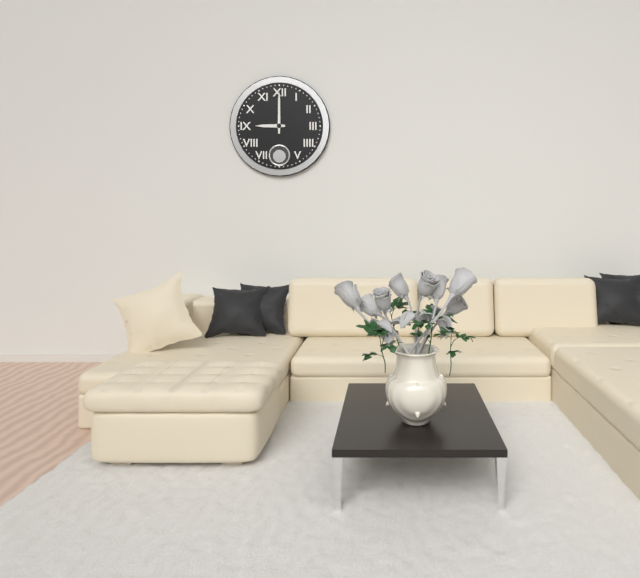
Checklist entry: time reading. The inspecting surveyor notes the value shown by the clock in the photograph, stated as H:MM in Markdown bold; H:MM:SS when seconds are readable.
**9:00**
